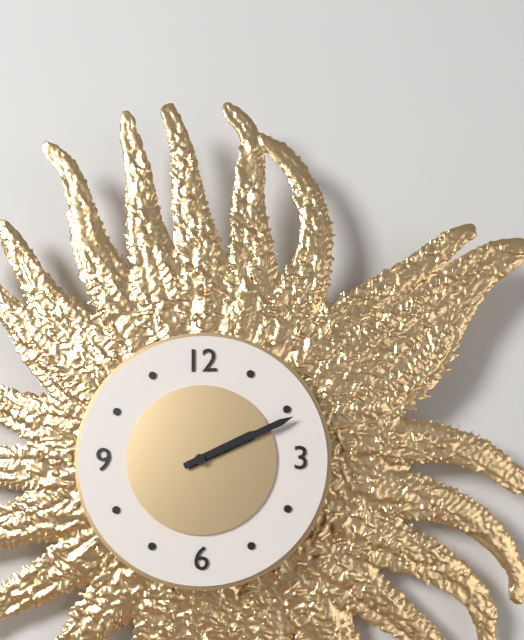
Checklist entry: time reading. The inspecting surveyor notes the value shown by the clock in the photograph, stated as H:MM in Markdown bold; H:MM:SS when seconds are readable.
**2:11**
